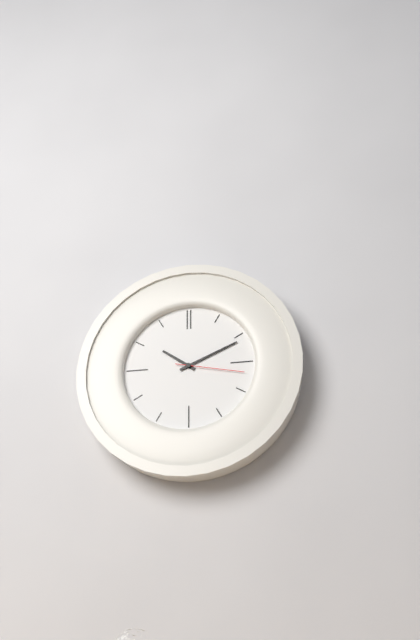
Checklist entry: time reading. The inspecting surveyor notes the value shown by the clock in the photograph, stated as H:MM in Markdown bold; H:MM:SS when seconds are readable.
**10:11:17**
